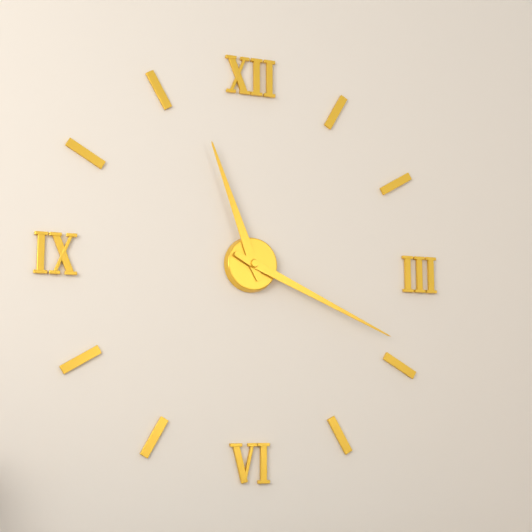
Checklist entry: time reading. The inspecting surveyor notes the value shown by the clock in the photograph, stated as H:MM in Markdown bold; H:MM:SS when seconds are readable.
**11:19**
